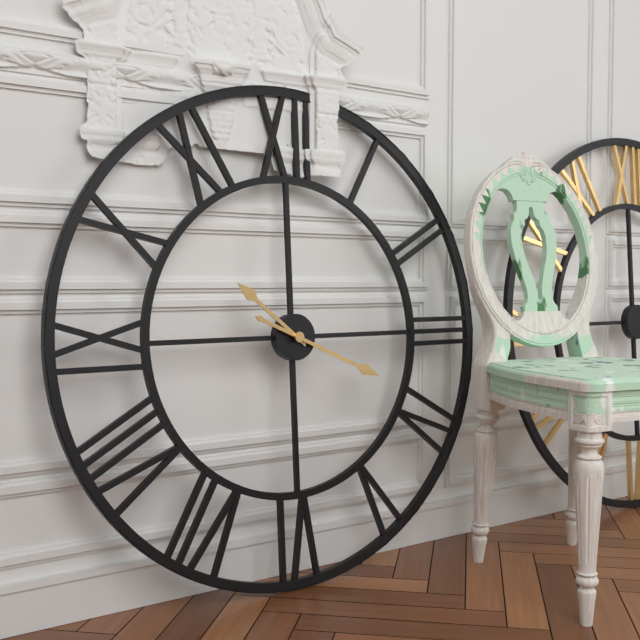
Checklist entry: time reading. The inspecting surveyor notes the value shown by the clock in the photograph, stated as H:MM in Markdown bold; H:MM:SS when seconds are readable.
**10:19**
